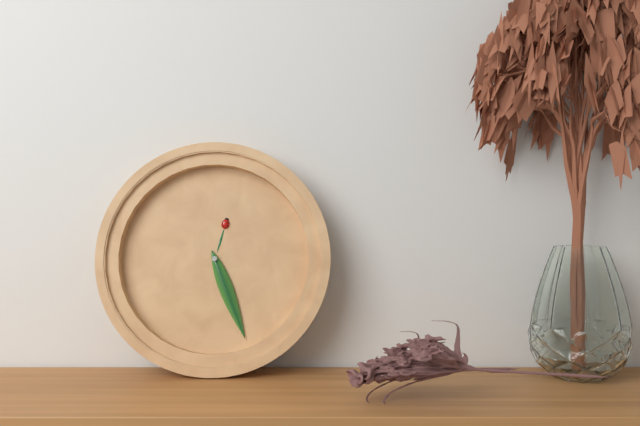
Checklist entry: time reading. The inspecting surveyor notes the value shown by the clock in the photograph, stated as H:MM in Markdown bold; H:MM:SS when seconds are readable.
**12:26**
